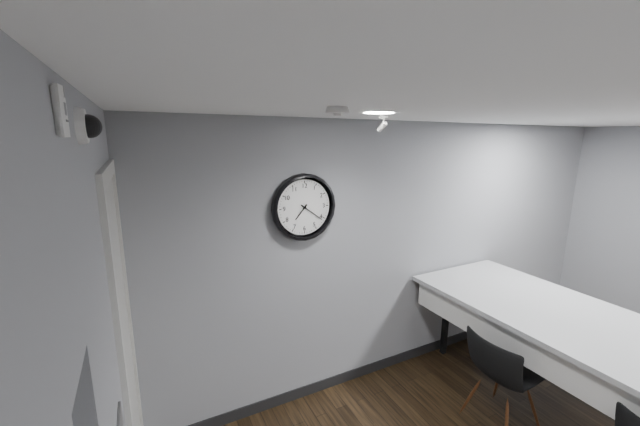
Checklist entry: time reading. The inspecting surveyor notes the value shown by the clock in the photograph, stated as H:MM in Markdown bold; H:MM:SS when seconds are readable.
**7:21**
